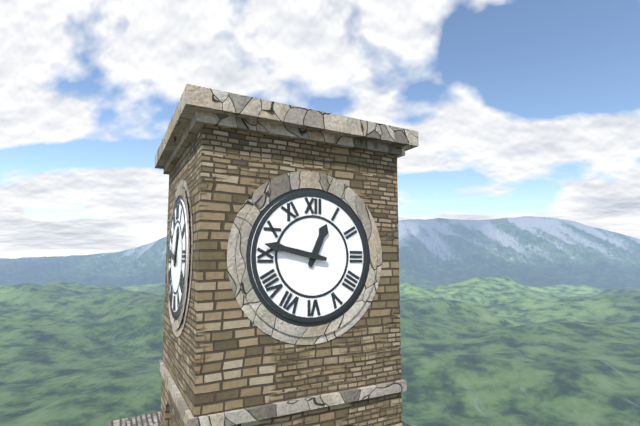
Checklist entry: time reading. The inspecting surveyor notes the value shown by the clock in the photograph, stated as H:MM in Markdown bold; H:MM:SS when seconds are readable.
**12:47**
